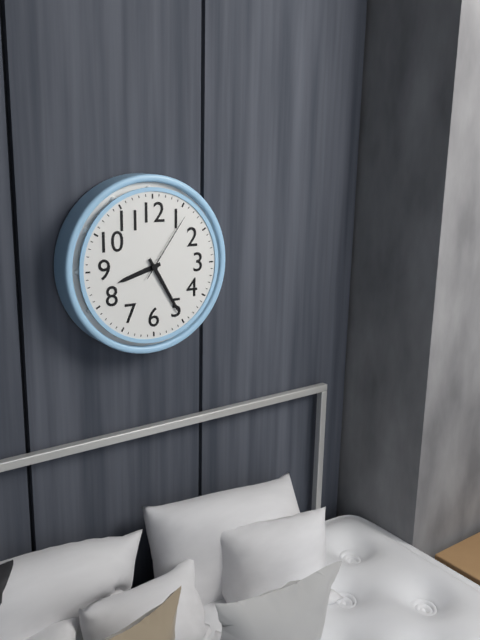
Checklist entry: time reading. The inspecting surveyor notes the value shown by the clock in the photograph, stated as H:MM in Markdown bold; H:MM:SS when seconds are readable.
**8:25:06**
